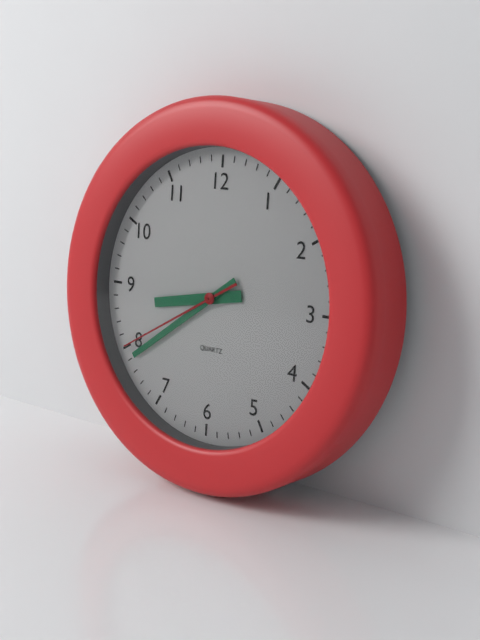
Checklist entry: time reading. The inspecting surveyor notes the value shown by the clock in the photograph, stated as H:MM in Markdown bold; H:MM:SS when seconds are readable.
**8:39:40**
